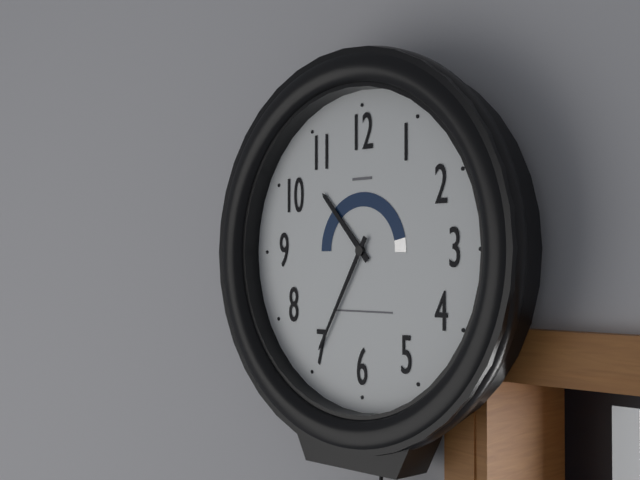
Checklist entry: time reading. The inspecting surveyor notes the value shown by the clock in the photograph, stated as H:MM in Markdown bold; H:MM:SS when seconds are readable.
**10:35**
